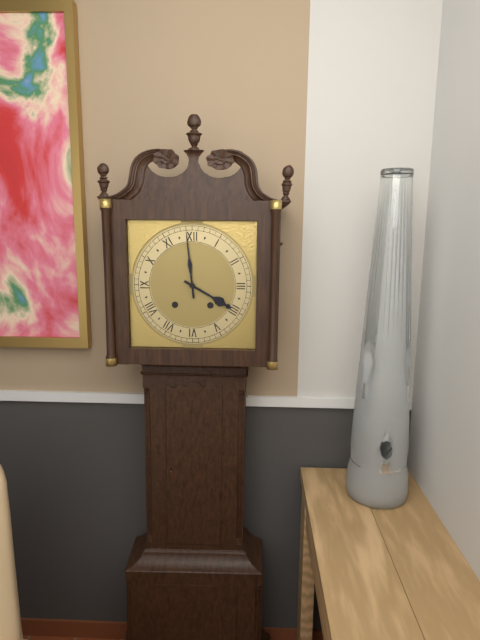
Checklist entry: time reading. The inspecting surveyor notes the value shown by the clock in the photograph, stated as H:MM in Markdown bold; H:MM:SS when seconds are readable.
**3:59**
